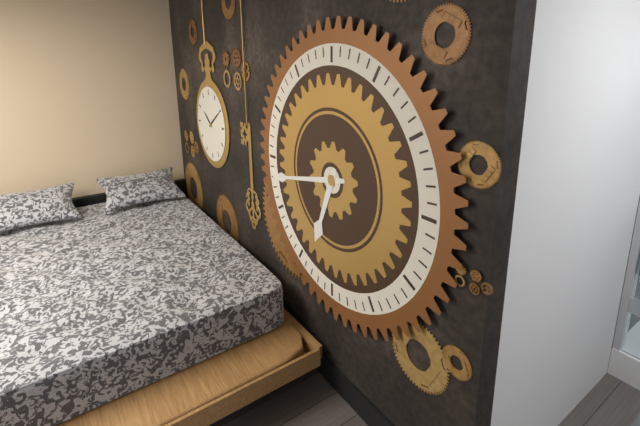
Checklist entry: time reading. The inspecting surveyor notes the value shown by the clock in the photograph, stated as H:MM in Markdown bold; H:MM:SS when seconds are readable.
**6:43**
